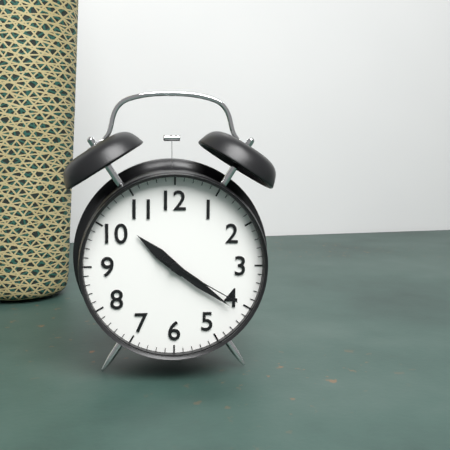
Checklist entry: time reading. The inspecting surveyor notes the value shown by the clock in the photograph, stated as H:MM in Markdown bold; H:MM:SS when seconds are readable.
**10:21:20**
